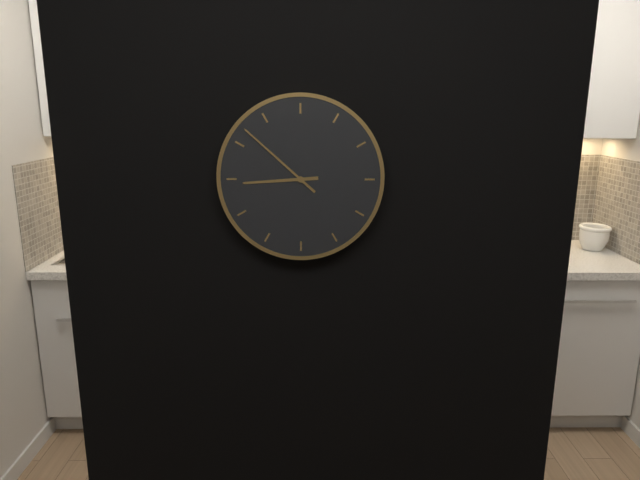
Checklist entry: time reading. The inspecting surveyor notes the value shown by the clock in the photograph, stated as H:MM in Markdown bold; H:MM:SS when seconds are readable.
**8:52**
